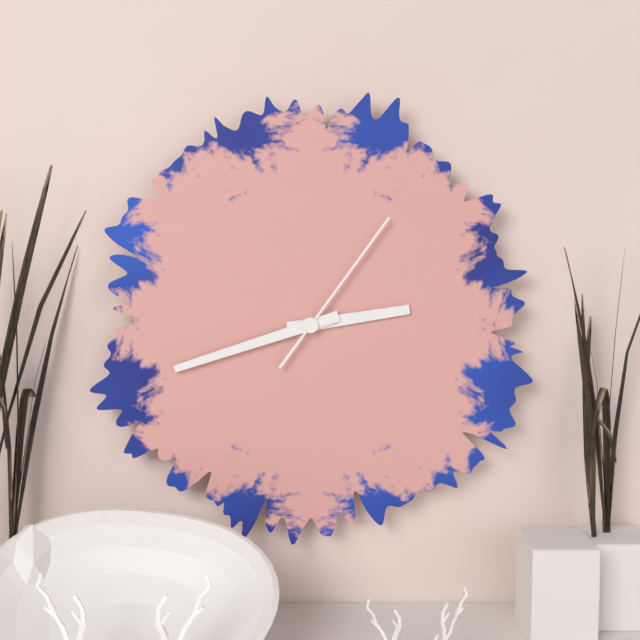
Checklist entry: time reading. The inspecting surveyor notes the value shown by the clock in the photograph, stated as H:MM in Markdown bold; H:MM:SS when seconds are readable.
**2:42:06**
